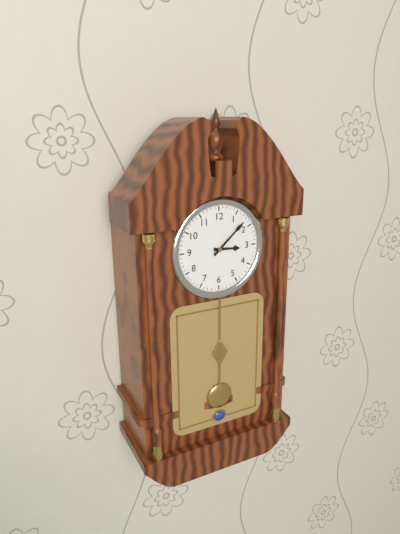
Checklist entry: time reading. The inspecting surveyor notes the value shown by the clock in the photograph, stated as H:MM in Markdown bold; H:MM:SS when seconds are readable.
**3:08**
